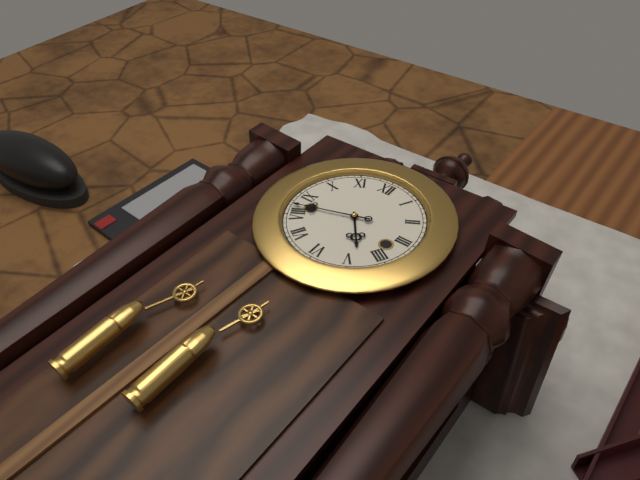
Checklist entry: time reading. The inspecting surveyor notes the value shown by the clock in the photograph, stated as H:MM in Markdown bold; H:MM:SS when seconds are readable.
**4:42**
